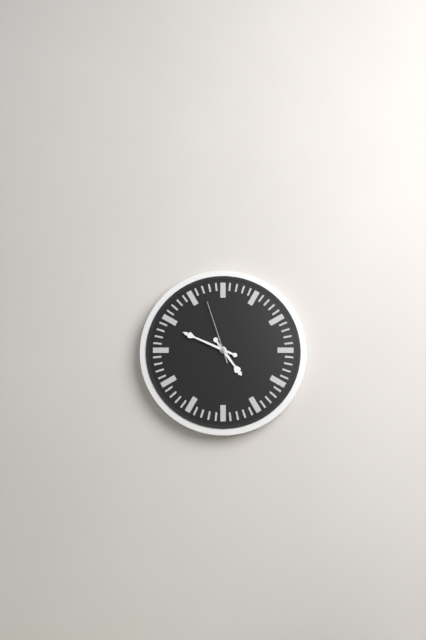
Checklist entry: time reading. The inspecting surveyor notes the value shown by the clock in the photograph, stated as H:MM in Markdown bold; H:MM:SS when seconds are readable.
**4:49:57**
